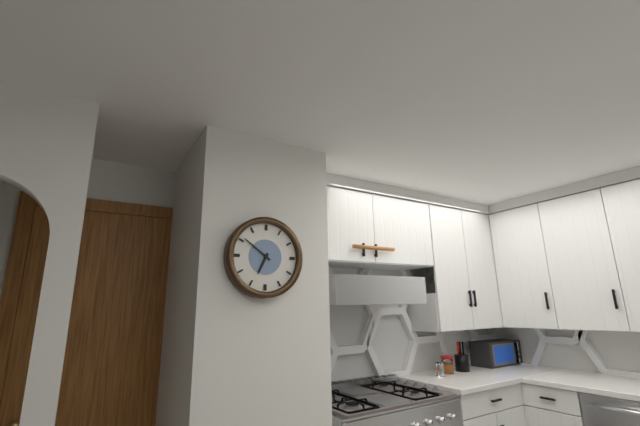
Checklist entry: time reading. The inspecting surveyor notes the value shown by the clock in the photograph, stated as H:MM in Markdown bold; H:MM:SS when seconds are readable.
**6:51**
